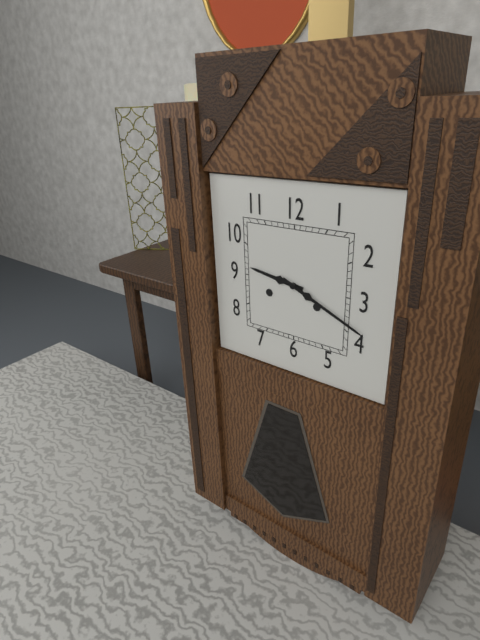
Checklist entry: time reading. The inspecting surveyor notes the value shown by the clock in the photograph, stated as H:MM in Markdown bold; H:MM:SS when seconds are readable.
**9:19**
